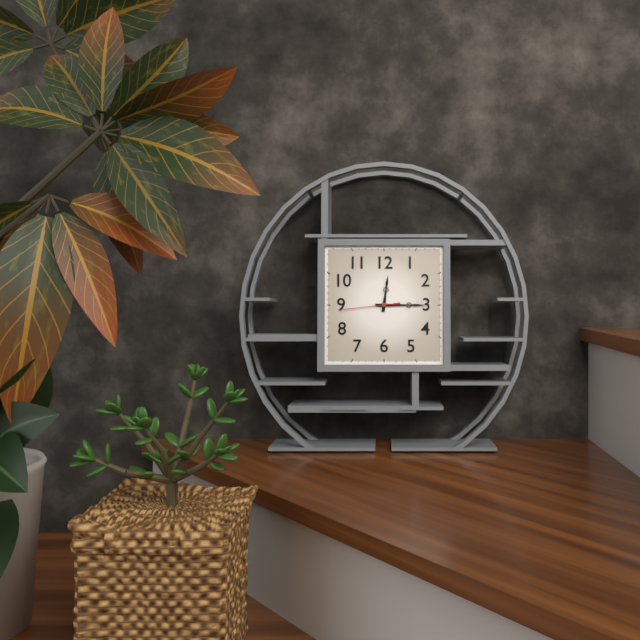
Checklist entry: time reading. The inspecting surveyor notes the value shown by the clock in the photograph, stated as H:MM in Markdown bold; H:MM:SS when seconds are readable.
**12:15:44**
